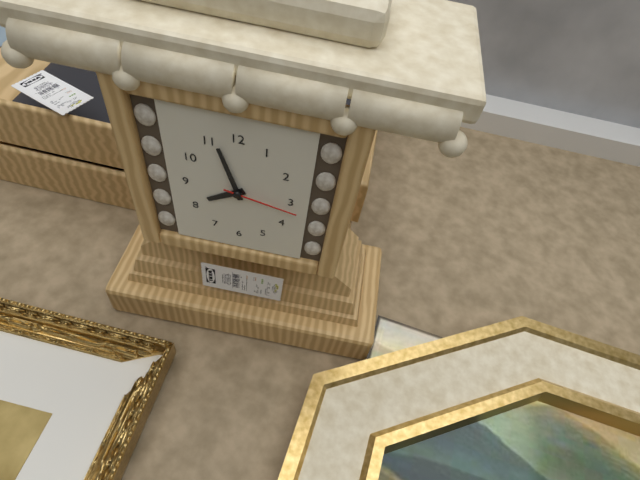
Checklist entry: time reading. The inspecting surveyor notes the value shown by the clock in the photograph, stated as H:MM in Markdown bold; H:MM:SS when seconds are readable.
**7:57:17**
